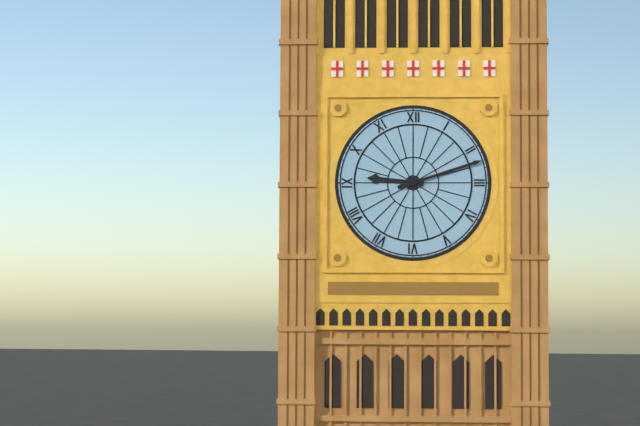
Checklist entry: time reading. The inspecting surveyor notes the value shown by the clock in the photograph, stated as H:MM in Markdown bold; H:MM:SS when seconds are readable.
**9:12**
